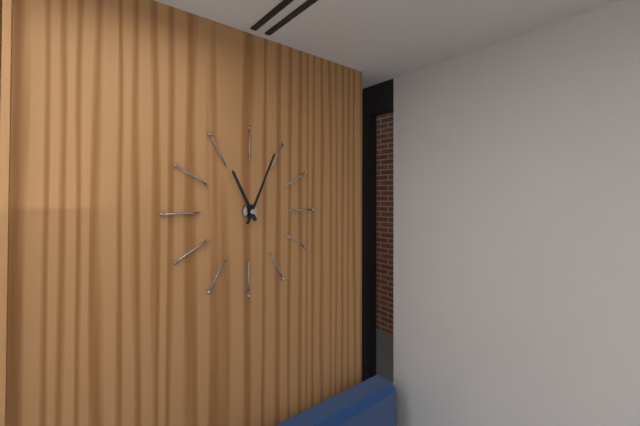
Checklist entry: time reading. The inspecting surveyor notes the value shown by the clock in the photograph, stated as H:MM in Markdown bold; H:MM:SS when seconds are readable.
**11:04**
